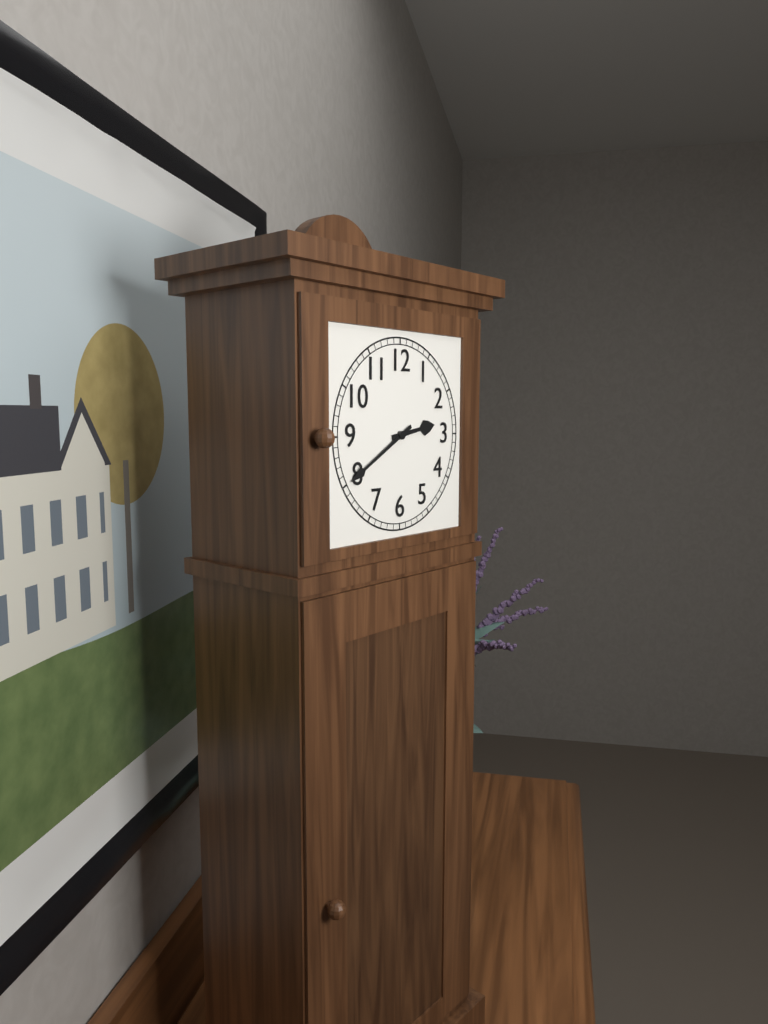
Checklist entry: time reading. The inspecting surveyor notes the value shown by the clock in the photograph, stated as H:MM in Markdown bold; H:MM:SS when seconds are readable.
**2:40**
